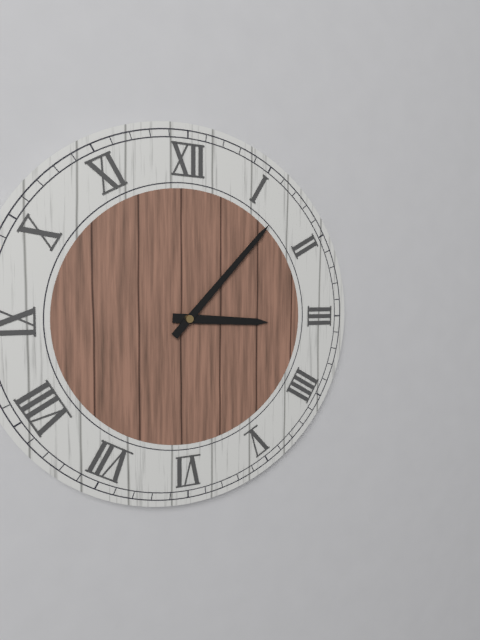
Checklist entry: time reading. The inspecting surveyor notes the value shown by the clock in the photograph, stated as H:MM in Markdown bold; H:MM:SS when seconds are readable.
**3:07**
